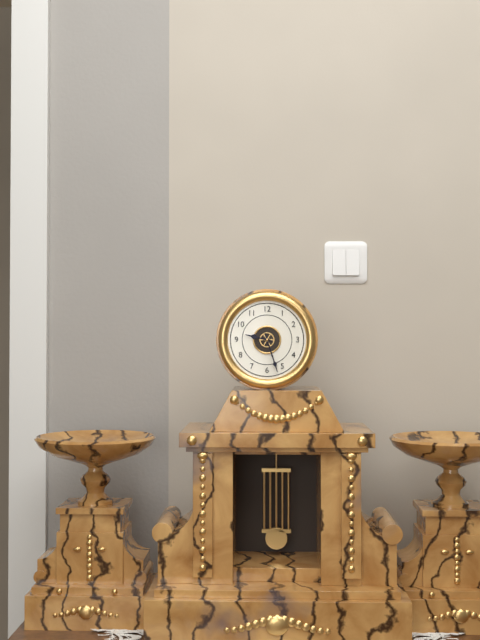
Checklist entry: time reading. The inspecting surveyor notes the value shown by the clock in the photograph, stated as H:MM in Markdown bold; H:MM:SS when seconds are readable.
**9:27**
